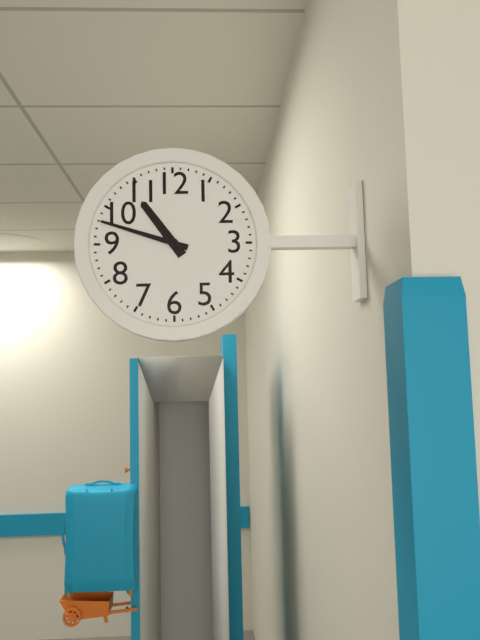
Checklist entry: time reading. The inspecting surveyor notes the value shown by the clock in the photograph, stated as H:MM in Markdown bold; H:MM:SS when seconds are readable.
**10:48**
